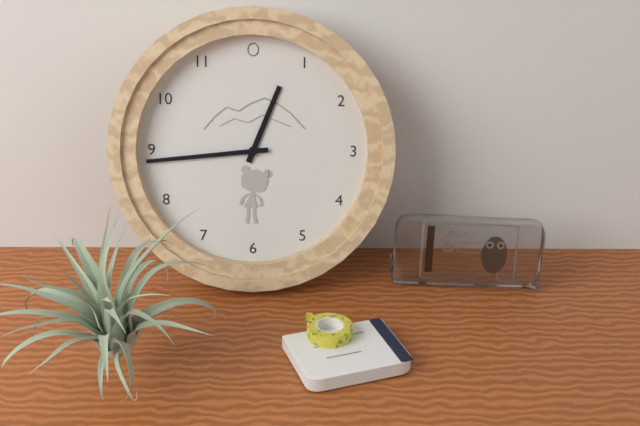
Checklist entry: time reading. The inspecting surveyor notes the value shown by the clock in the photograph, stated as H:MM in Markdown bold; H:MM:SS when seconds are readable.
**12:44**
